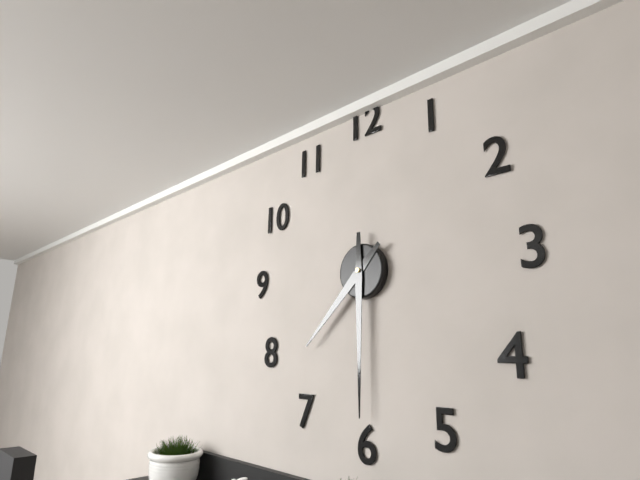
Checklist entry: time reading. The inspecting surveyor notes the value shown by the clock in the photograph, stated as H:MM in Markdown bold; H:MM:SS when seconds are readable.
**7:30**
